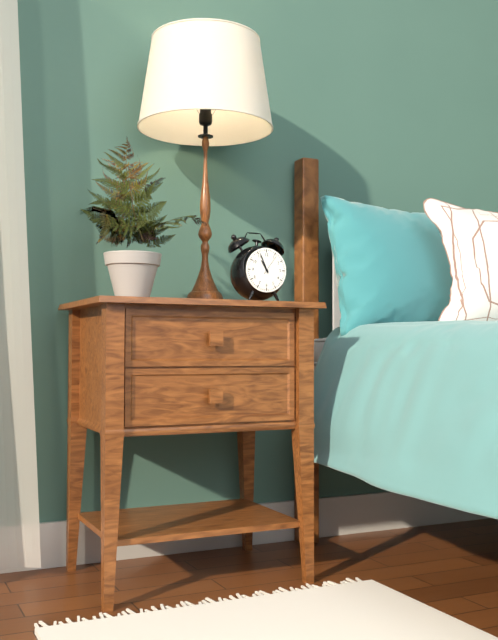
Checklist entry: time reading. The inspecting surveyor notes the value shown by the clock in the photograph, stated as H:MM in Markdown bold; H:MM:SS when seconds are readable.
**10:56**
